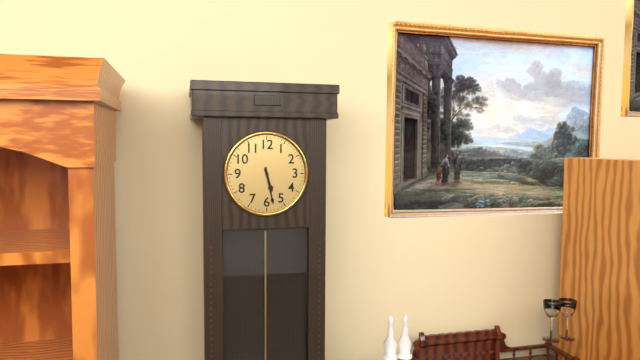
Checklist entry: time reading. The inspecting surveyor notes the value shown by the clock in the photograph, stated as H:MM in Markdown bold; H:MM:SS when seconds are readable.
**5:28**
